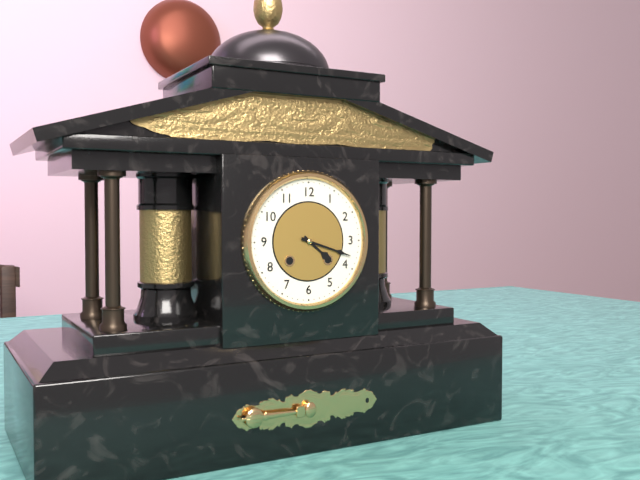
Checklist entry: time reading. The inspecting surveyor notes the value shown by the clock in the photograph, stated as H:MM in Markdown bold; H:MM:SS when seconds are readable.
**4:18**
